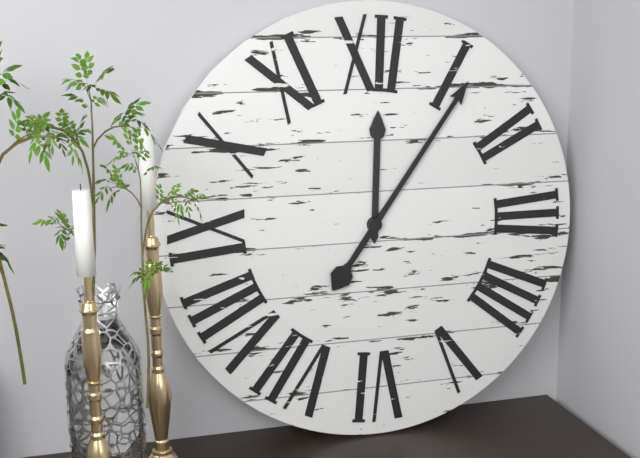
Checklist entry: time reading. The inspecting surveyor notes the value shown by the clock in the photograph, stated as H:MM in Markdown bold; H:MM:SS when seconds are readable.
**12:06**
